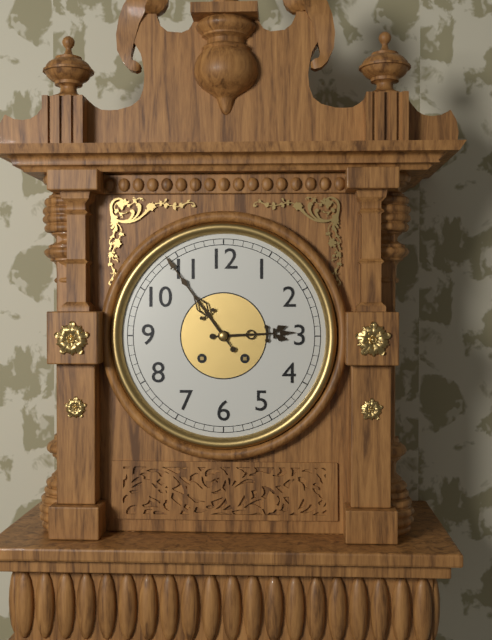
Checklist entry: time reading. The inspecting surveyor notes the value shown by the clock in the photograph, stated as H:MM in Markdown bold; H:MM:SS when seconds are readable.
**2:54**
